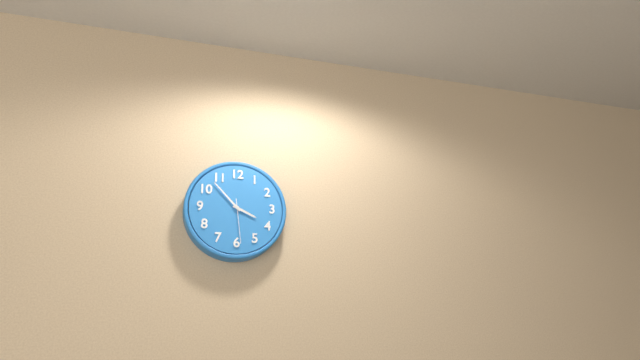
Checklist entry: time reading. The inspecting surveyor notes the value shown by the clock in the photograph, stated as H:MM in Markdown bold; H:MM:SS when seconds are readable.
**3:53**
